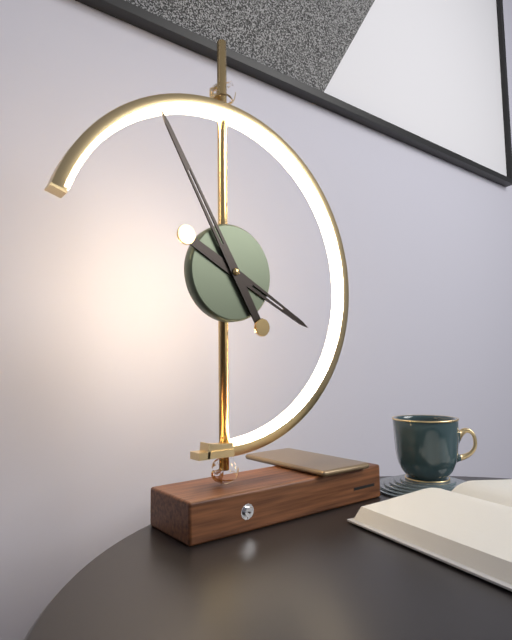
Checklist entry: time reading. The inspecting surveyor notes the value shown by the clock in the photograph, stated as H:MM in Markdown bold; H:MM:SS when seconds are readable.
**3:55**
